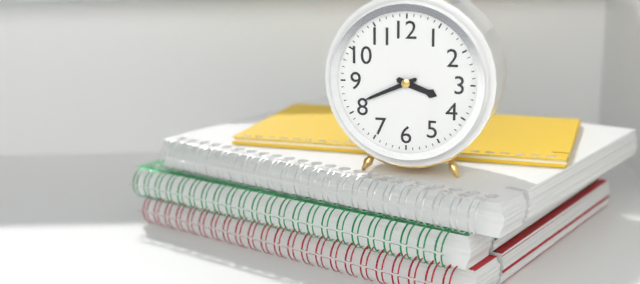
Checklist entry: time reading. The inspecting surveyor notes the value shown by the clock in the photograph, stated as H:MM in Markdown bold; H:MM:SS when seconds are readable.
**3:41**
